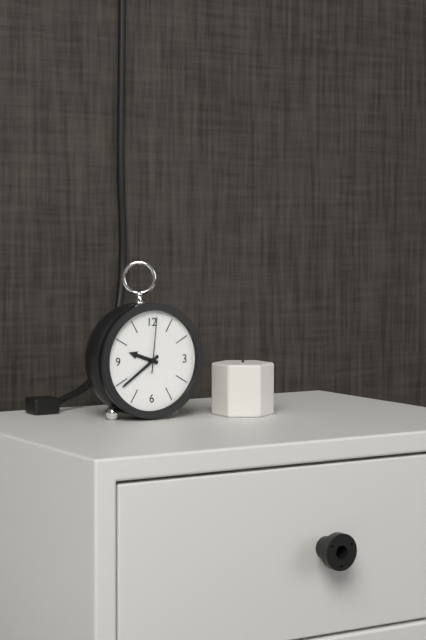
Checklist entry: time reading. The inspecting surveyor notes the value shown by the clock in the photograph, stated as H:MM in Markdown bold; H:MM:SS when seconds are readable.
**9:39:01**
